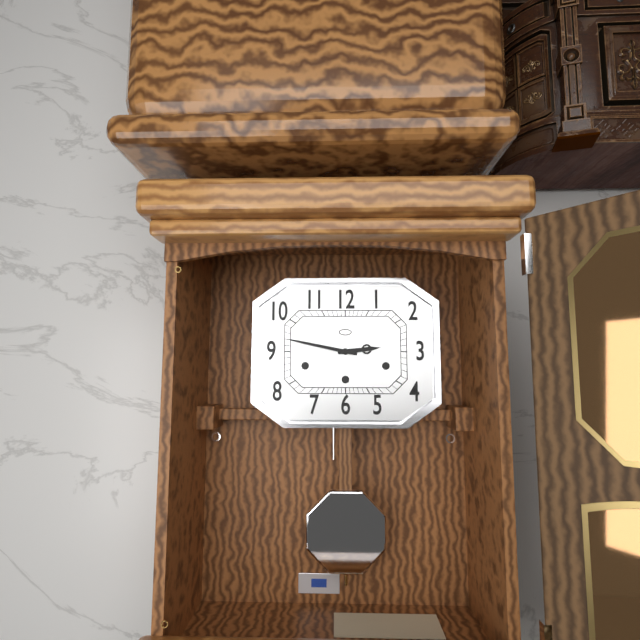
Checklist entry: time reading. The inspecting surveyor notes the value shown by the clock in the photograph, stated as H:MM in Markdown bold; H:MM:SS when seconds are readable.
**2:47**
